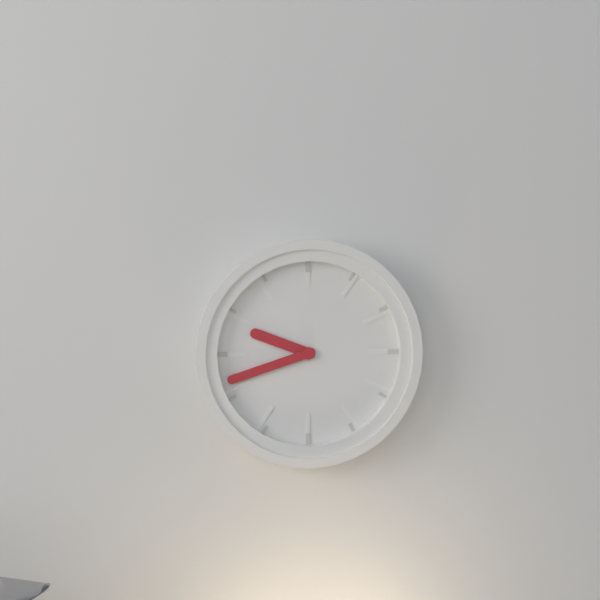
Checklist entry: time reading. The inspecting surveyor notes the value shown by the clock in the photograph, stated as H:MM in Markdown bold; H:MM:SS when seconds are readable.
**9:42**
